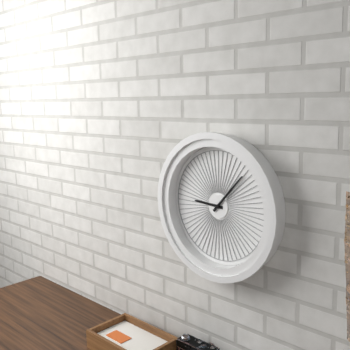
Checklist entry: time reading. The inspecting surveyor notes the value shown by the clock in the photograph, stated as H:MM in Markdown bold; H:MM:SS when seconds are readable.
**9:07**
